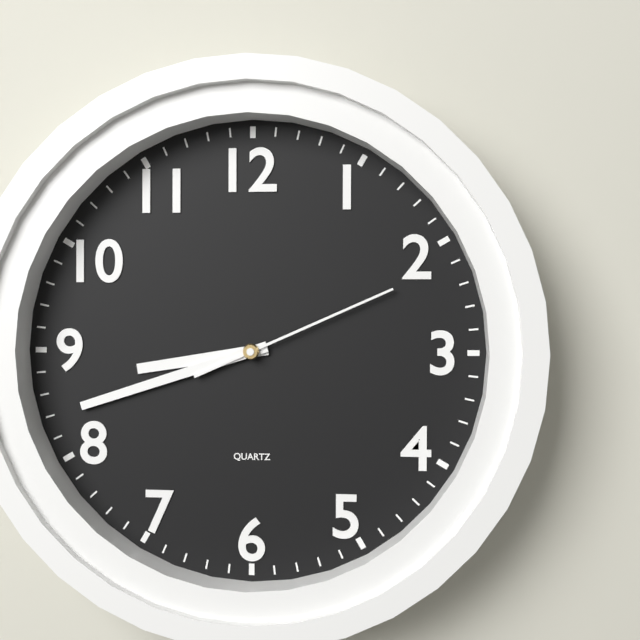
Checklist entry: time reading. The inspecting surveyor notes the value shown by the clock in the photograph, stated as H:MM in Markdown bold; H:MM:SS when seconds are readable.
**8:42:11**
